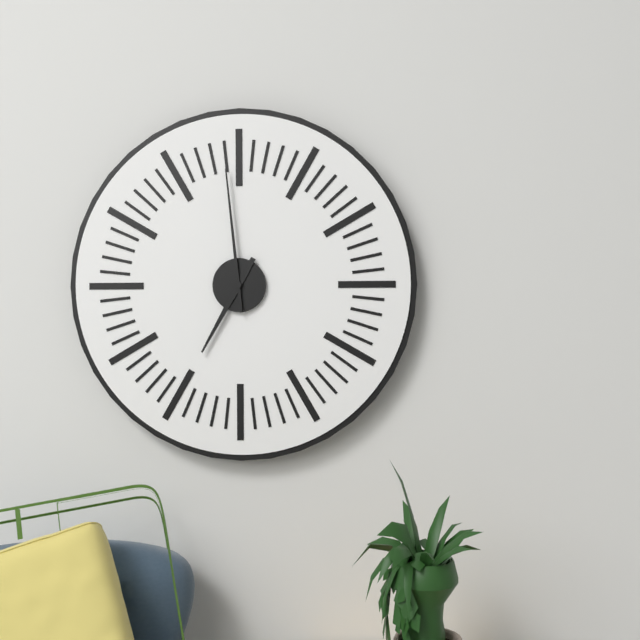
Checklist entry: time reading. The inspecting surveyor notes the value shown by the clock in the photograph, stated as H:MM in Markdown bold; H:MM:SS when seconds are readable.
**6:59**
